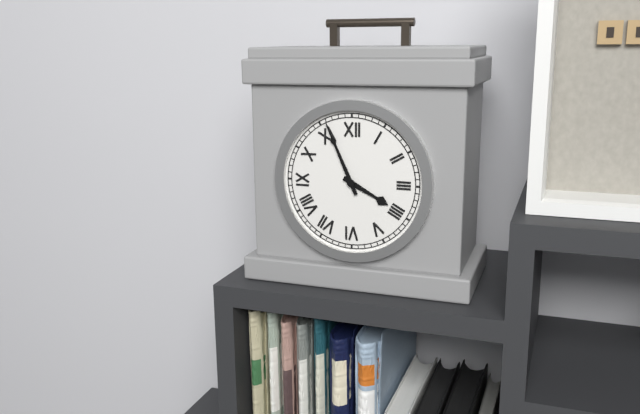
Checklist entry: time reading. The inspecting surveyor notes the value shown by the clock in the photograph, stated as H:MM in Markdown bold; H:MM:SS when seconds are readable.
**3:56**
